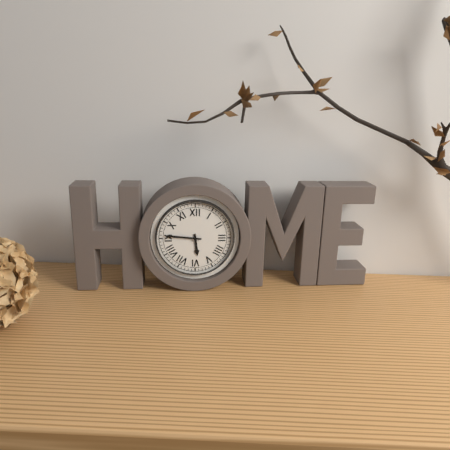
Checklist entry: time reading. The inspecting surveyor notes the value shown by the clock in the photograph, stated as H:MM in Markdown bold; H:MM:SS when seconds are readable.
**5:46**
